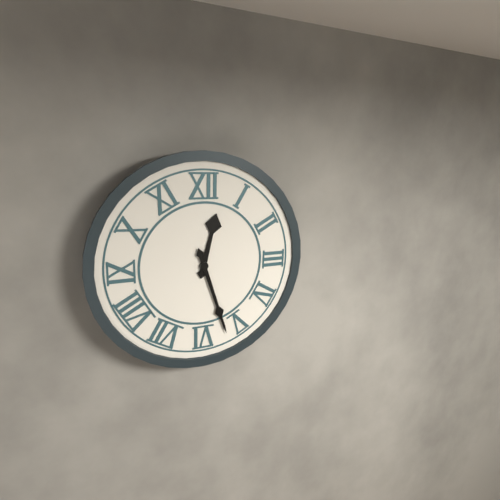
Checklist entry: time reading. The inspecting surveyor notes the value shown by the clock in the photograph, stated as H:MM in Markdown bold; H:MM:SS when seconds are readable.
**12:27**
